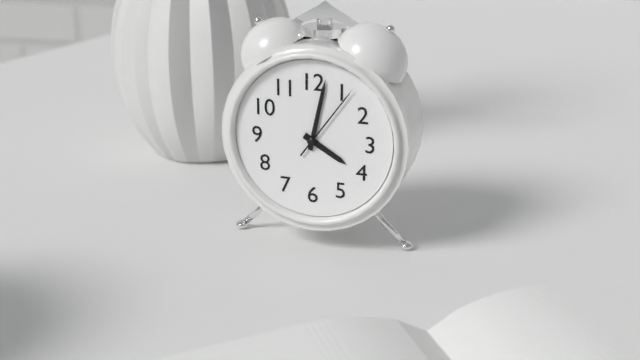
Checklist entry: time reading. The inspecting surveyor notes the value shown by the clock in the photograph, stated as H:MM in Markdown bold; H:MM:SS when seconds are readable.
**4:02:06**
